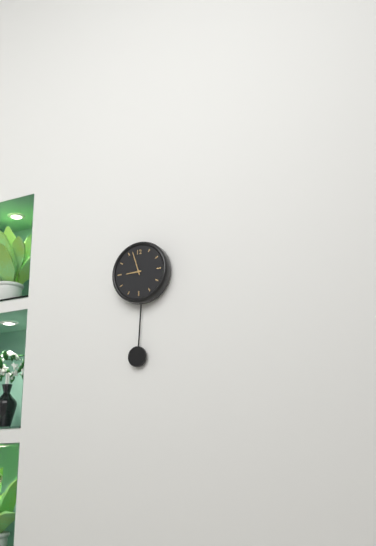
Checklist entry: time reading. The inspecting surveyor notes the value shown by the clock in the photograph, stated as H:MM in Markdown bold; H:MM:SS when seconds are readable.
**8:57**
